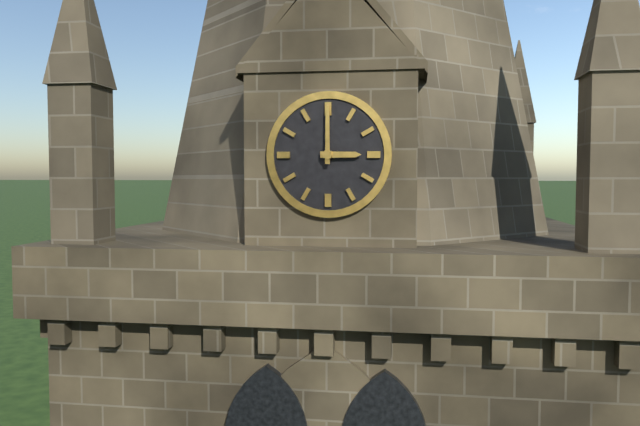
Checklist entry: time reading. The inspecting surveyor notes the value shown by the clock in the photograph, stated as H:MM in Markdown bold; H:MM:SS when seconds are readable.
**3:00**
